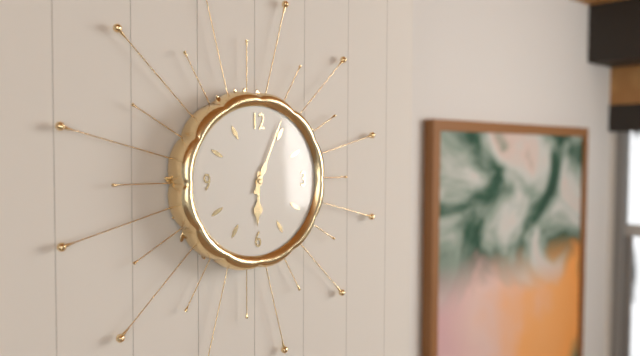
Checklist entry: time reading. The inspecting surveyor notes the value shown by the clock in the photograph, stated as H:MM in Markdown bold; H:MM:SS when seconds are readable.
**6:04**
